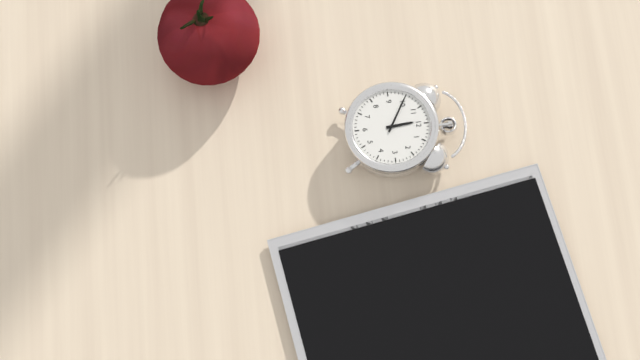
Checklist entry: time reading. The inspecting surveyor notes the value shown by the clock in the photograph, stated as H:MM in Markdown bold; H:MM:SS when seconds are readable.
**11:50**
